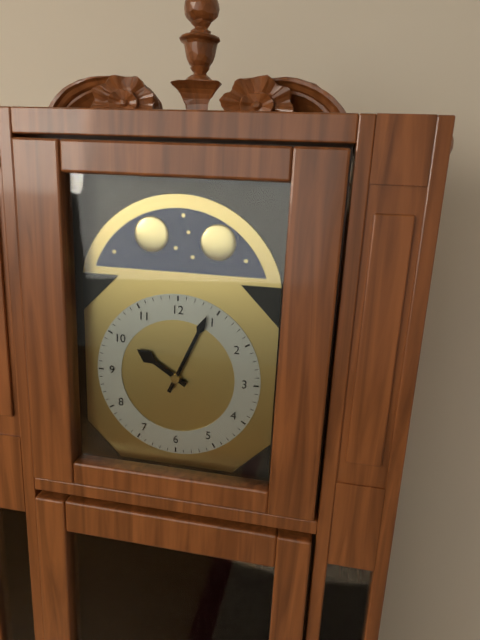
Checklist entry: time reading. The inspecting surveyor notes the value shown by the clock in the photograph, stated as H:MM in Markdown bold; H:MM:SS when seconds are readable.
**10:04**
